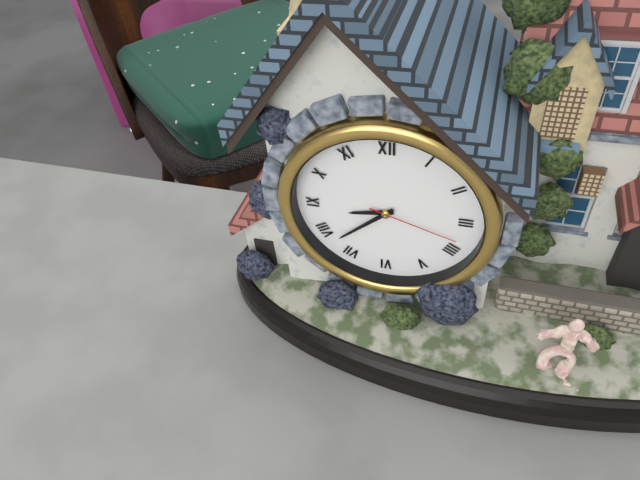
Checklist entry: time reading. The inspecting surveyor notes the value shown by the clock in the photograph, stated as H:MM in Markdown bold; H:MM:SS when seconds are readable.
**8:38:18**
